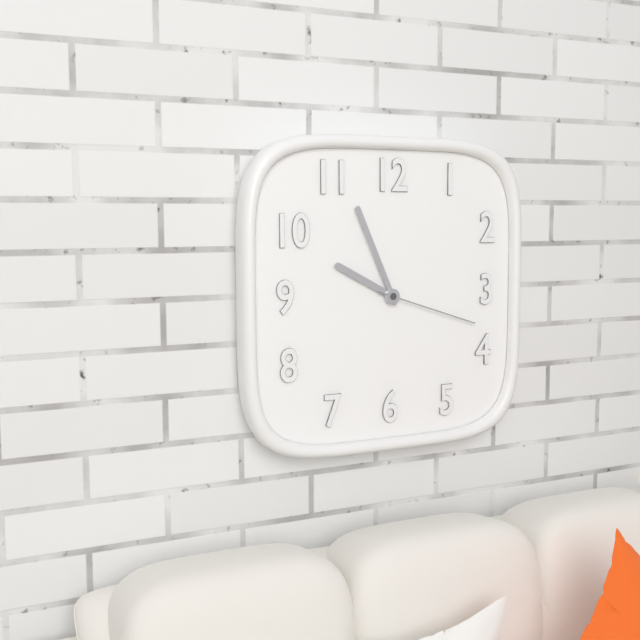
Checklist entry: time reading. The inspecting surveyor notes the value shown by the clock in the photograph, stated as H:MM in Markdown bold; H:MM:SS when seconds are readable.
**9:56:18**
